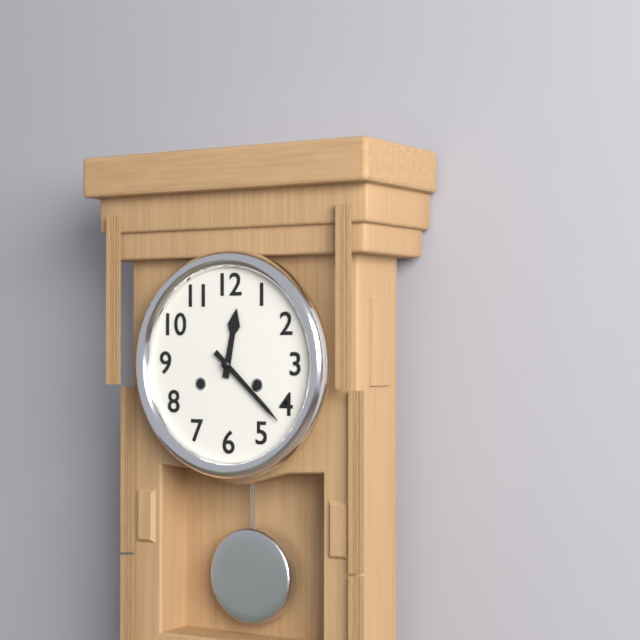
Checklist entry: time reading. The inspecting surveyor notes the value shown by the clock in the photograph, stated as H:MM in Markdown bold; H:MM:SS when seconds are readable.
**12:22**
